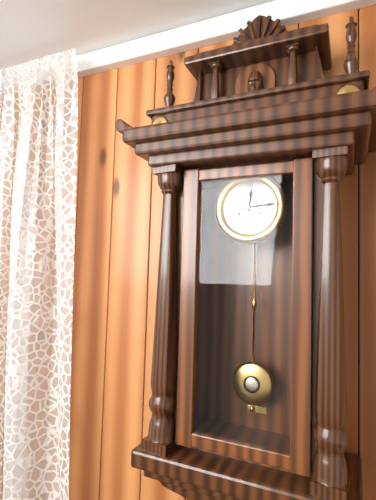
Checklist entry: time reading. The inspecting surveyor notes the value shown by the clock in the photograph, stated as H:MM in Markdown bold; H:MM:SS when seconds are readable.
**12:14**
